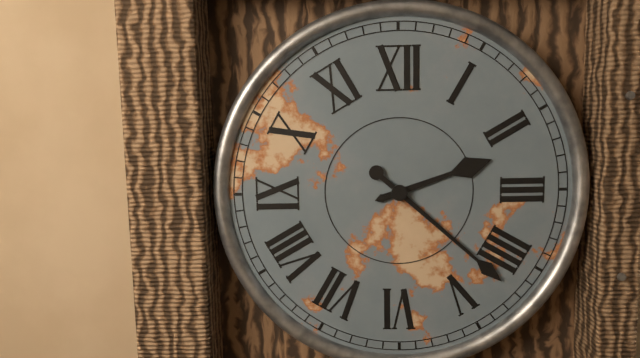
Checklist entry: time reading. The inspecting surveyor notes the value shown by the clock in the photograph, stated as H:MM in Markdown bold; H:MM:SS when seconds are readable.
**2:22**
